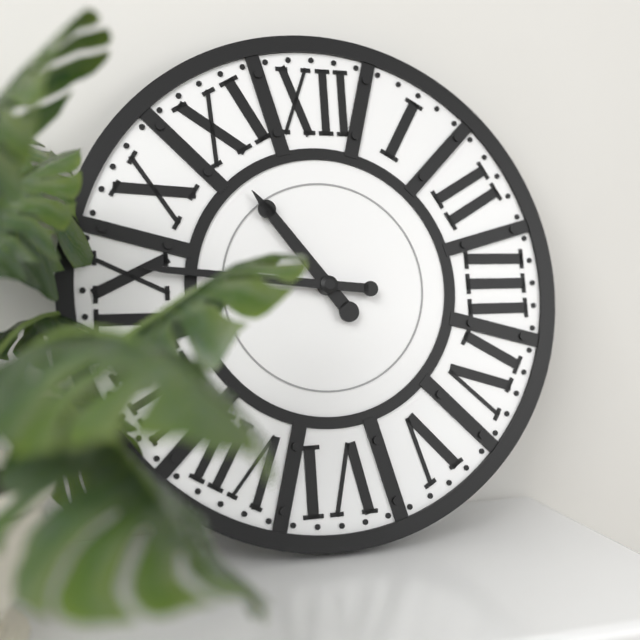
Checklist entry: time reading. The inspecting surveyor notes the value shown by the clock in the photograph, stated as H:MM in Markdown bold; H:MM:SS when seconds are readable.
**10:46**
